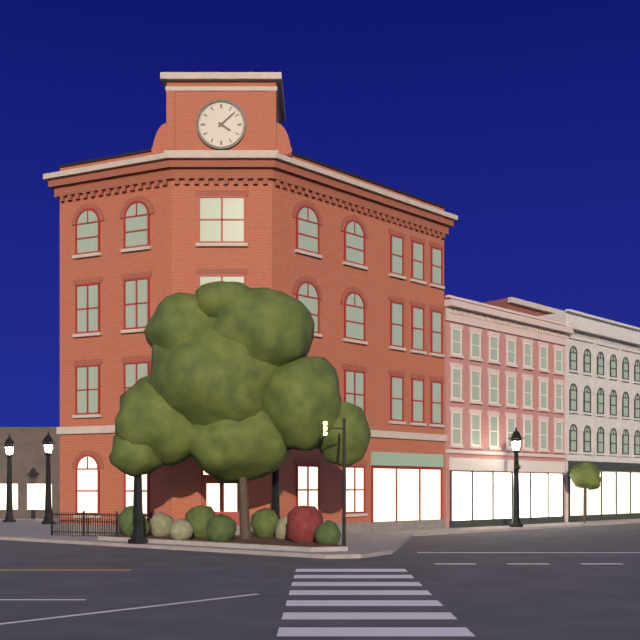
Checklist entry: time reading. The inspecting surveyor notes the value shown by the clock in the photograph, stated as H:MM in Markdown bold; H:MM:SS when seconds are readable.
**4:08**
